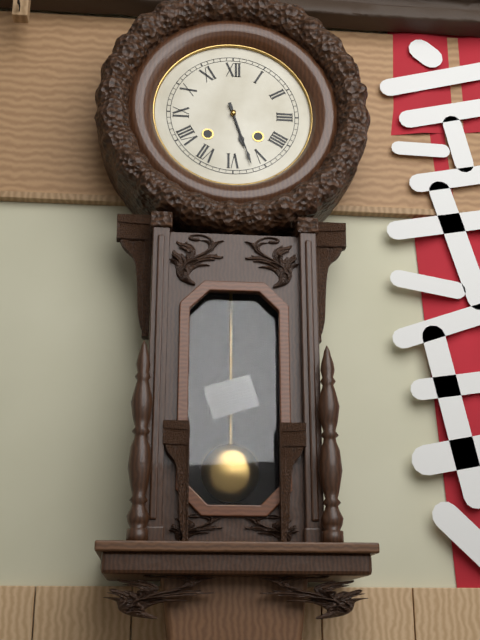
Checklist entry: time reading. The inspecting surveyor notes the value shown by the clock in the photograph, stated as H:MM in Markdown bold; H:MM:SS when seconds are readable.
**5:27**
